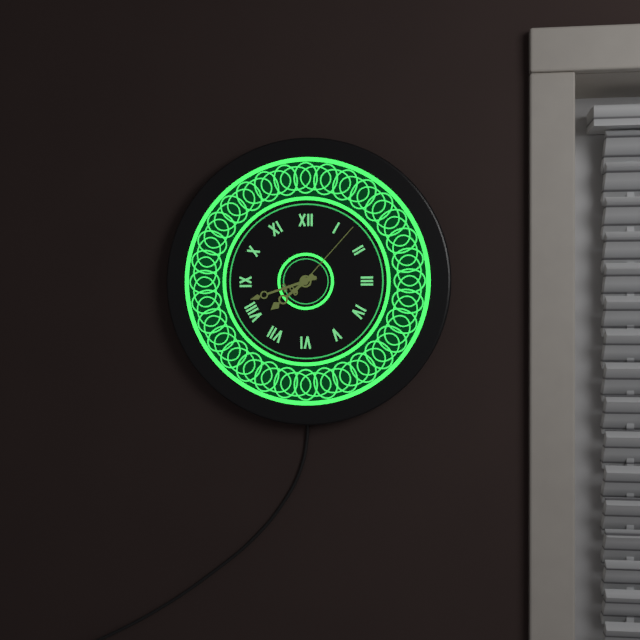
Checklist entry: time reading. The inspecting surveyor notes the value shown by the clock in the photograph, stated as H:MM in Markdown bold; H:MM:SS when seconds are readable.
**7:42:07**
